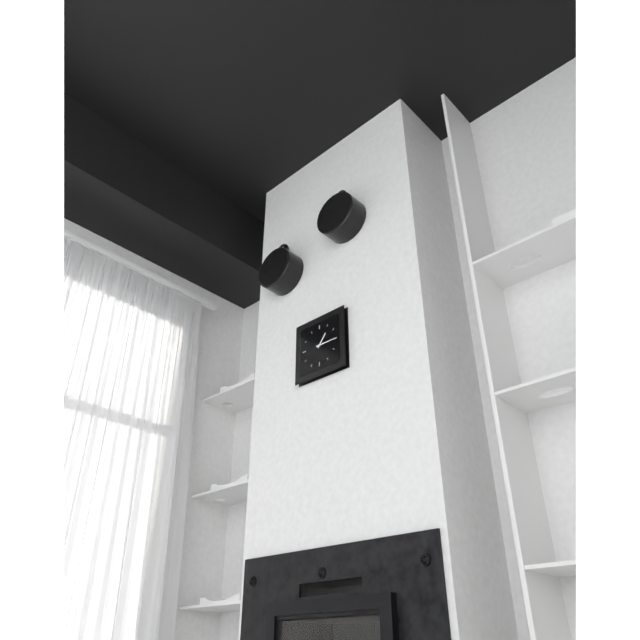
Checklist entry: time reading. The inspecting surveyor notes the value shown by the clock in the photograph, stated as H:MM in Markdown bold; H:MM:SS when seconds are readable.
**1:15**
